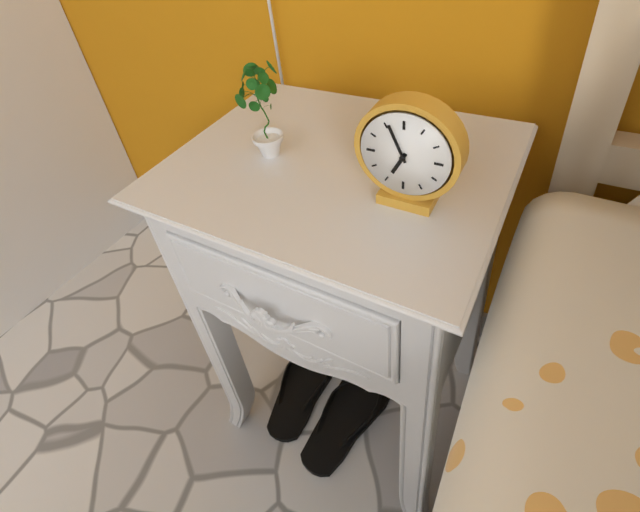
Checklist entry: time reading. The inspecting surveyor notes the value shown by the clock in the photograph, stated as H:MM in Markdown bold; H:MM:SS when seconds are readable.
**6:56**
